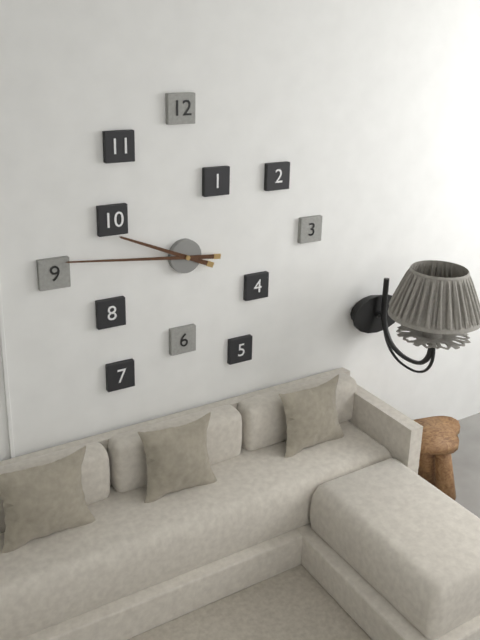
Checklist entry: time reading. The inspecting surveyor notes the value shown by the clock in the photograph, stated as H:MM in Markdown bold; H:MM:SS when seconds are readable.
**9:46**
